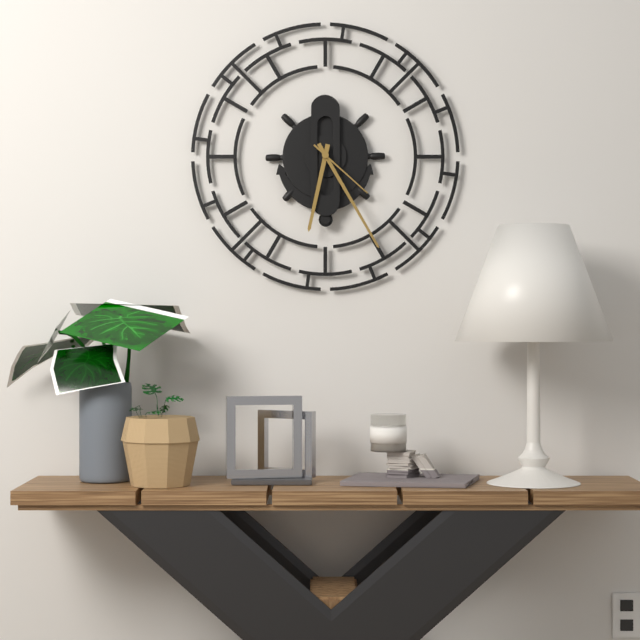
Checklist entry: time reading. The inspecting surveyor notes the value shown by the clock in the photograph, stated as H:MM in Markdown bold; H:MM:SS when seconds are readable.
**6:25:22**
